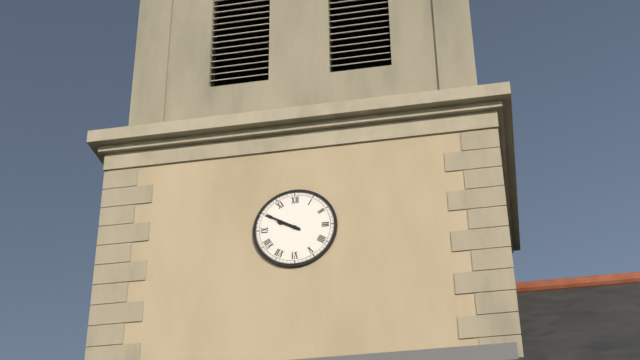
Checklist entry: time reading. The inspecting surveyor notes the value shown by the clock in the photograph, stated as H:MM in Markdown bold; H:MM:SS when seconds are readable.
**9:50**
